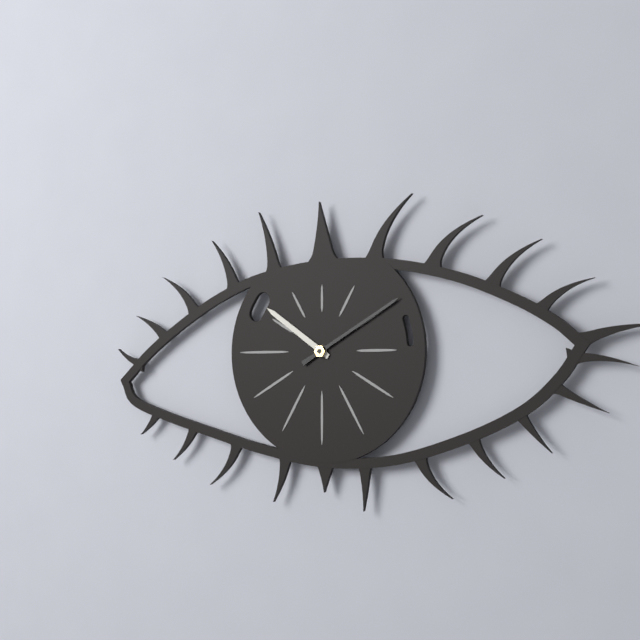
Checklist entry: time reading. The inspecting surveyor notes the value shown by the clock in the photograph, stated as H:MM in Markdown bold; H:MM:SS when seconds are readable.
**10:10**
